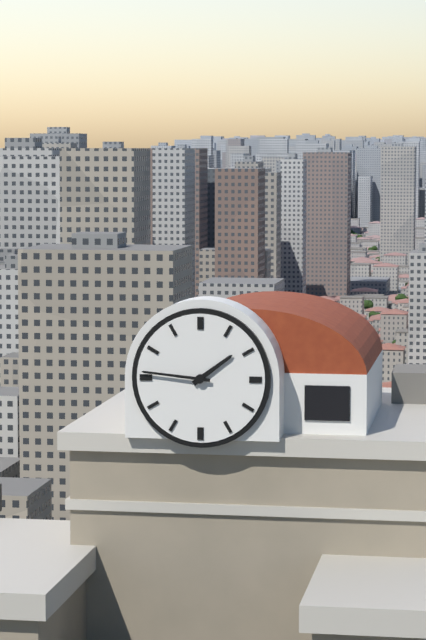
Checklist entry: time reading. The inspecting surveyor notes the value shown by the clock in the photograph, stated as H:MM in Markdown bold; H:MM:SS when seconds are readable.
**1:46**
